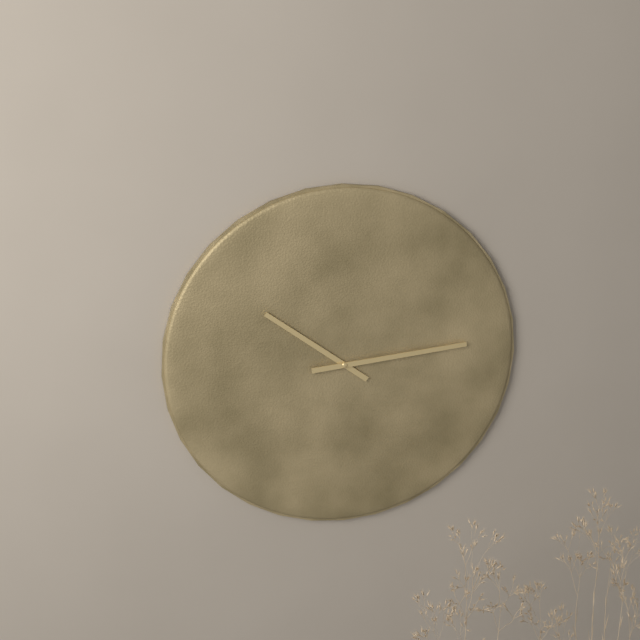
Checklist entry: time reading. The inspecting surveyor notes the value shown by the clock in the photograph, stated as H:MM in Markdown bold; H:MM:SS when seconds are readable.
**10:14**
